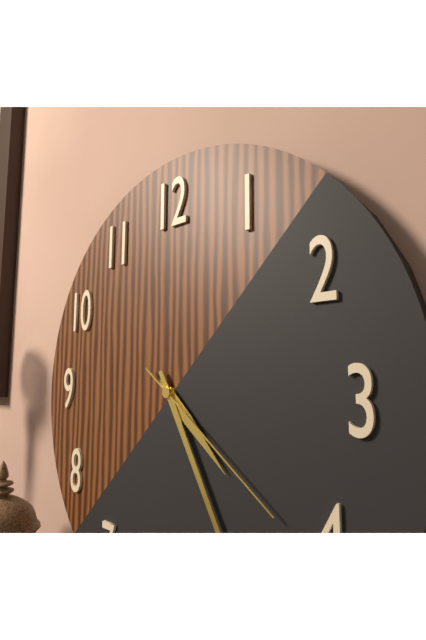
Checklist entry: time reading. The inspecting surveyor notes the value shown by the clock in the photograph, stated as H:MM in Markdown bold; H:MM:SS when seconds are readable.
**4:25:21**
